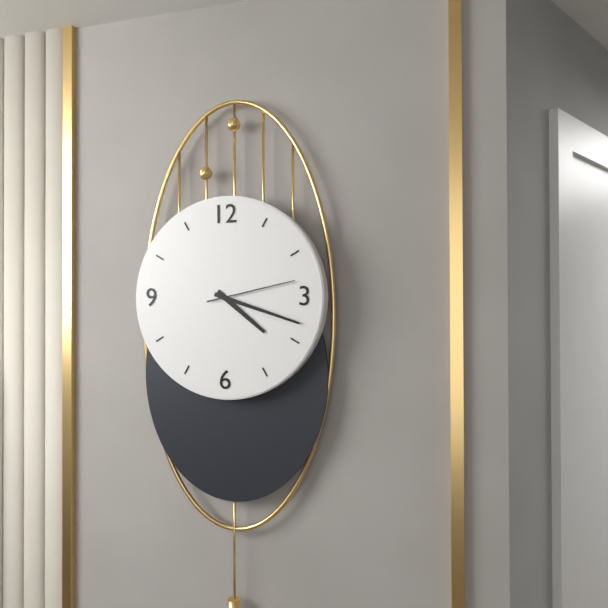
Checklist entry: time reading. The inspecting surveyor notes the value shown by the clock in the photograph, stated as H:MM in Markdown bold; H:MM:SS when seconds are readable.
**4:18:13**
